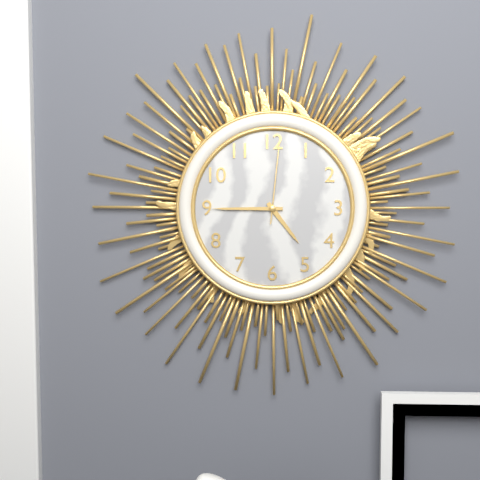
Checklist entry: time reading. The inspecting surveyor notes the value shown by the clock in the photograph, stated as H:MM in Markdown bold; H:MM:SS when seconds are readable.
**4:45:01**
